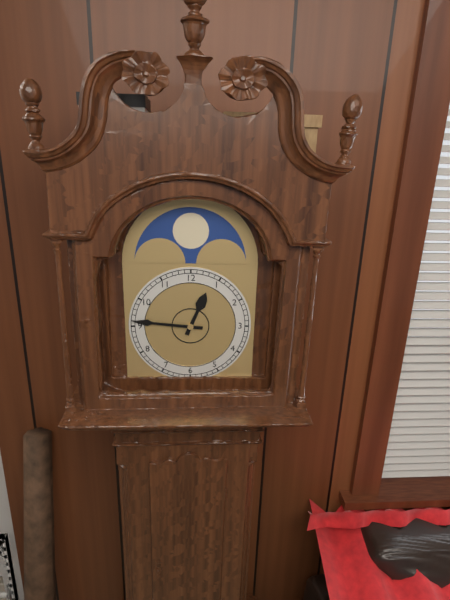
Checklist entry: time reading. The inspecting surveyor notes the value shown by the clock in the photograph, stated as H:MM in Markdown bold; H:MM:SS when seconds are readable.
**12:46**
